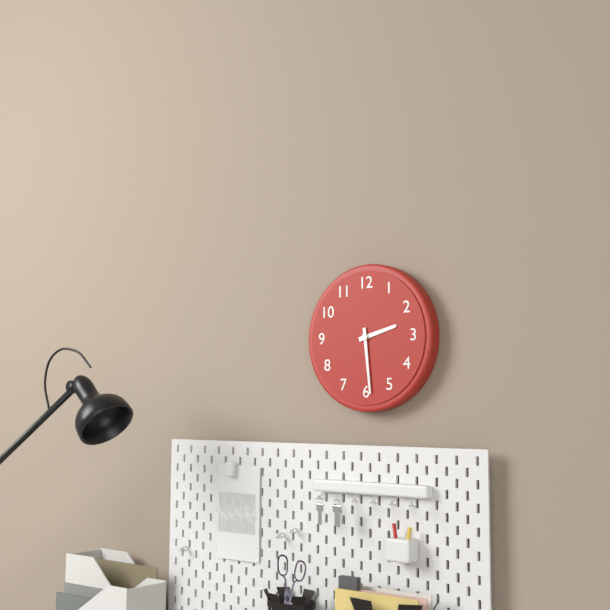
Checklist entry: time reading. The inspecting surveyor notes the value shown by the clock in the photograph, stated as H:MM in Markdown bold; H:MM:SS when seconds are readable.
**2:29**
